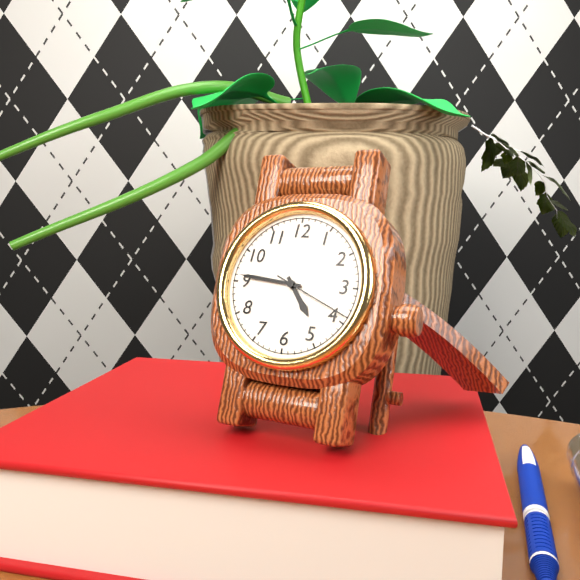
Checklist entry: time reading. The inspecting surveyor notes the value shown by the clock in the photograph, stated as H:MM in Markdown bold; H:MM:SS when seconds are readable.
**4:46:19**
